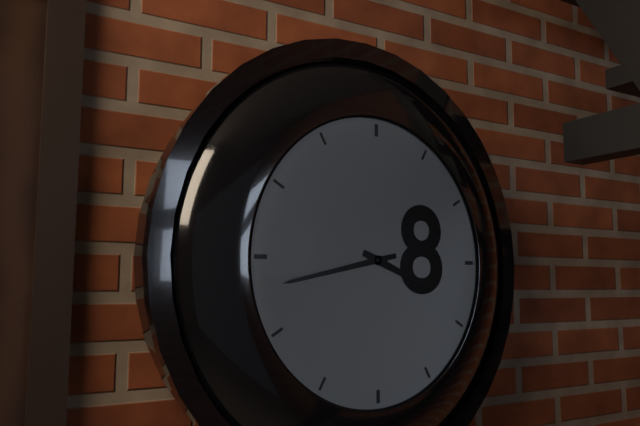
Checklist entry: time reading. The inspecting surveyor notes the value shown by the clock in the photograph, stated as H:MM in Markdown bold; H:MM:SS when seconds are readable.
**3:43**
